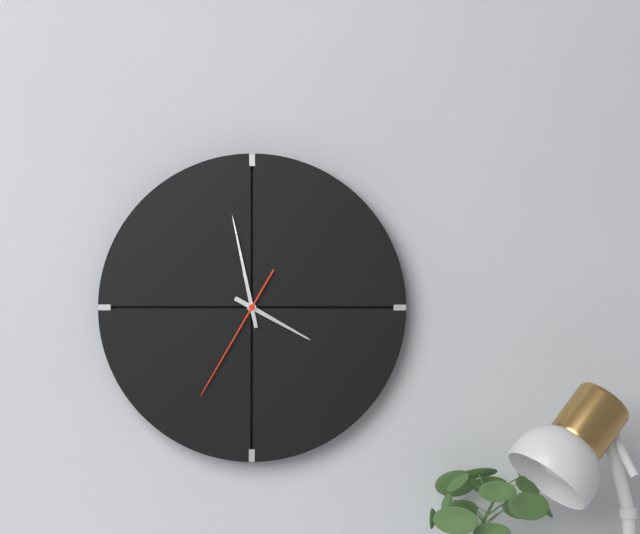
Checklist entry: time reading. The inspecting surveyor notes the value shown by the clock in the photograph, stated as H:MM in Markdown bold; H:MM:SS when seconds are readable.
**3:58:35**
